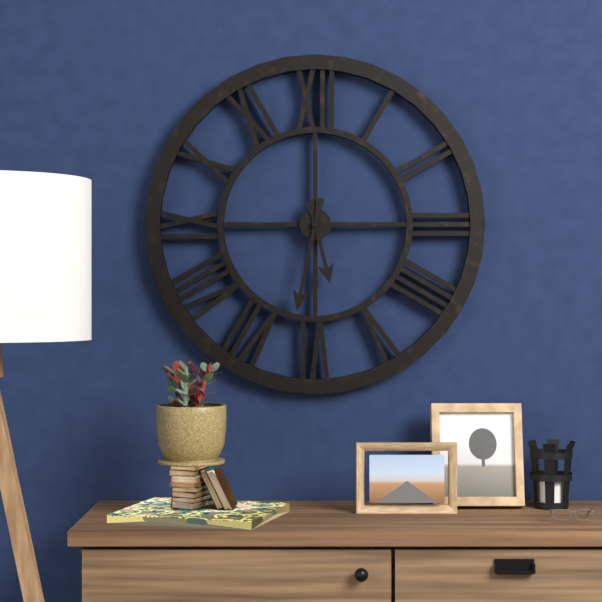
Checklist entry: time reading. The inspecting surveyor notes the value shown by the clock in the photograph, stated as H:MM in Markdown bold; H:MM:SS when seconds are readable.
**5:32**
